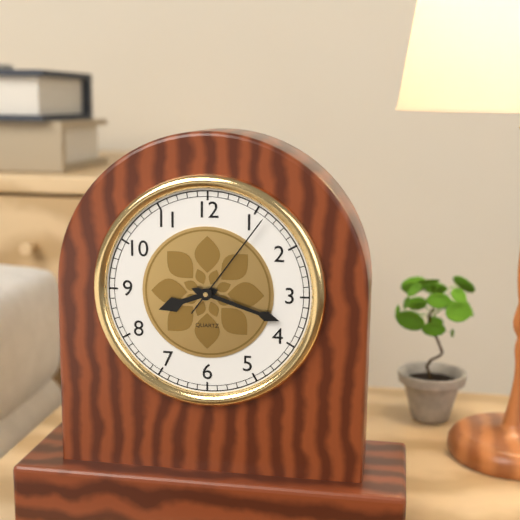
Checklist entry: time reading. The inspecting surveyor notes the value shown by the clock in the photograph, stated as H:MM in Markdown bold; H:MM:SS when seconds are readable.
**8:18:06**
